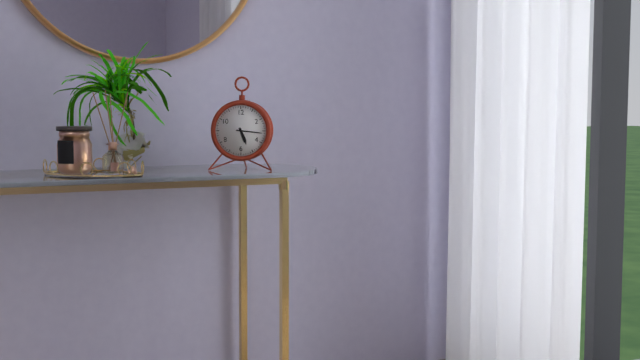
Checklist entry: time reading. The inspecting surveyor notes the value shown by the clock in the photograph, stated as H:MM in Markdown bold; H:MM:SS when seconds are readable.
**5:16**
